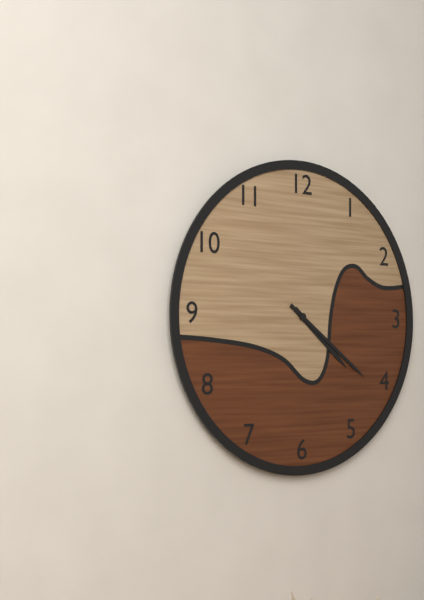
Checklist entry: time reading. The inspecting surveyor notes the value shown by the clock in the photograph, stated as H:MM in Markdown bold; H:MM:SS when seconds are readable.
**4:21**
